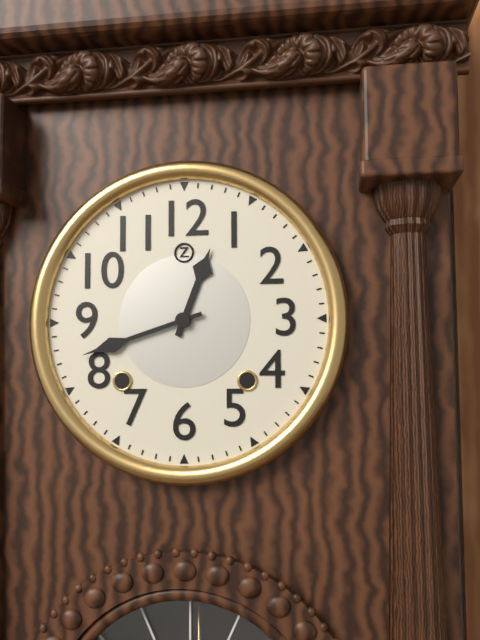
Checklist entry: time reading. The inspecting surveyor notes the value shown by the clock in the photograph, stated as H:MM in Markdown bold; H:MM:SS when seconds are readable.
**12:42**
